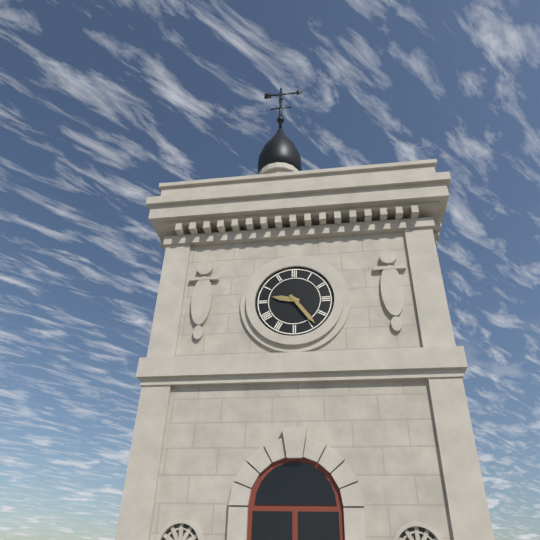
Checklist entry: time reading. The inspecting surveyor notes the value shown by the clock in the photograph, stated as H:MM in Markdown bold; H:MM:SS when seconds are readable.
**9:24**
